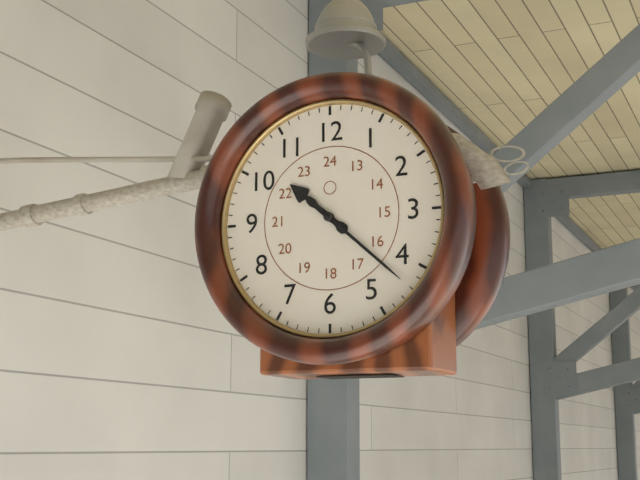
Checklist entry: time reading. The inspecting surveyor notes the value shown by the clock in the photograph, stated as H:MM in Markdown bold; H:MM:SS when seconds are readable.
**10:22**
